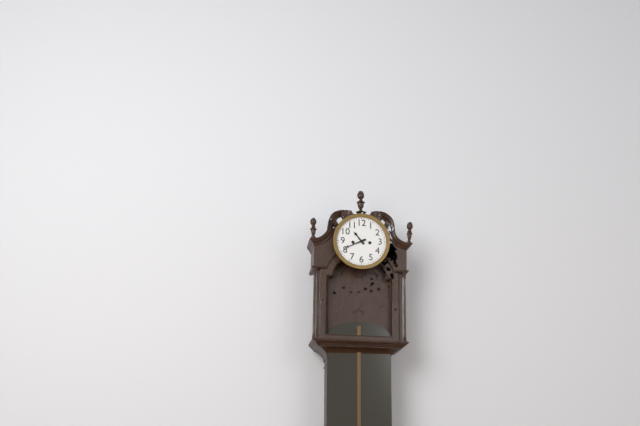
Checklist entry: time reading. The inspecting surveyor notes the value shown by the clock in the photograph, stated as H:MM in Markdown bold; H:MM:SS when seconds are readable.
**10:41**
